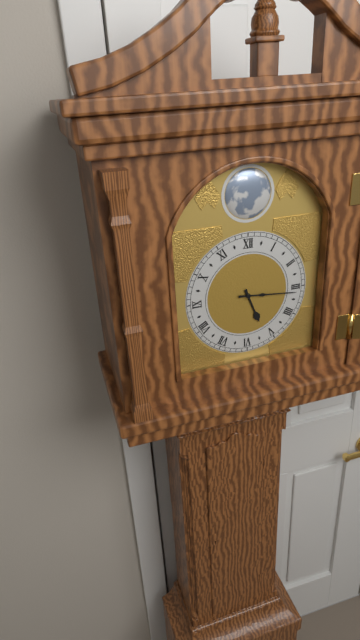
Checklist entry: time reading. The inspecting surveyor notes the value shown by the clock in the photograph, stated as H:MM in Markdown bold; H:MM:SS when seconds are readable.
**5:16**
